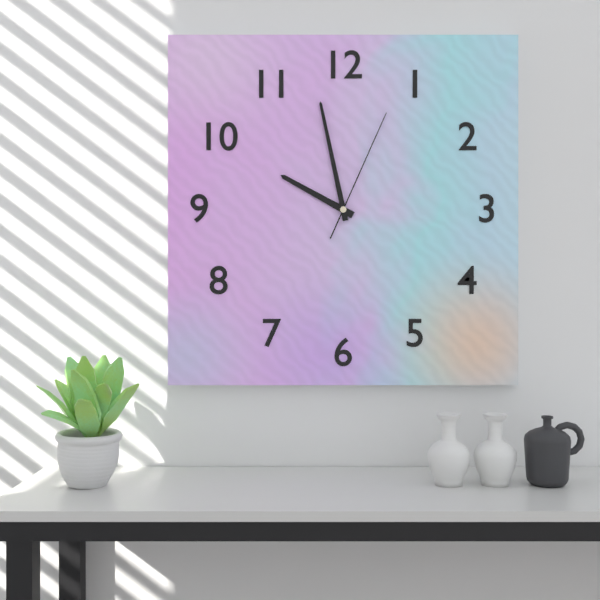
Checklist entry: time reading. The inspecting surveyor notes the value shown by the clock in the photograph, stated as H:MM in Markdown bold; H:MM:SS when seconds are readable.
**9:58:04**
